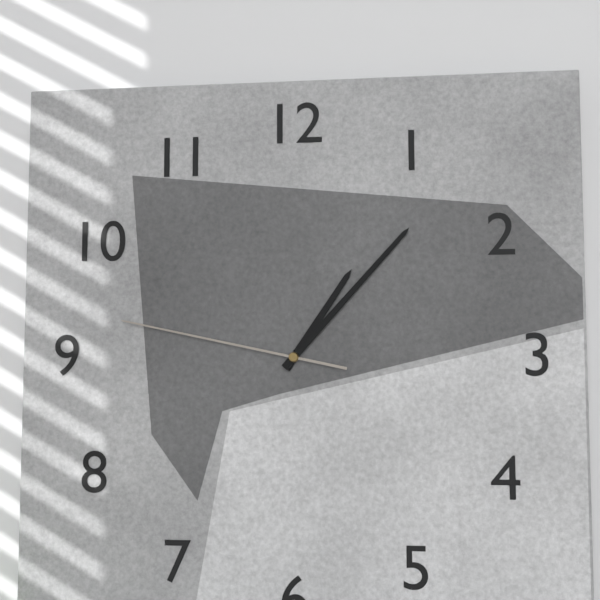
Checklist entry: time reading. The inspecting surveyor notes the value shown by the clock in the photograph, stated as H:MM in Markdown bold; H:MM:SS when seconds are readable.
**1:07:47**
